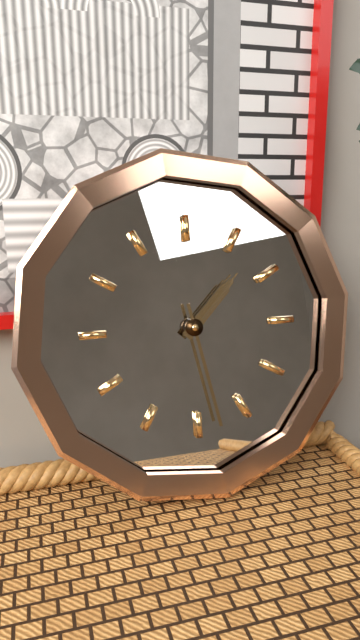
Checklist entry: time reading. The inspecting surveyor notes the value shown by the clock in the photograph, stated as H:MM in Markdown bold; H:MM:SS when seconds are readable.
**1:28**
